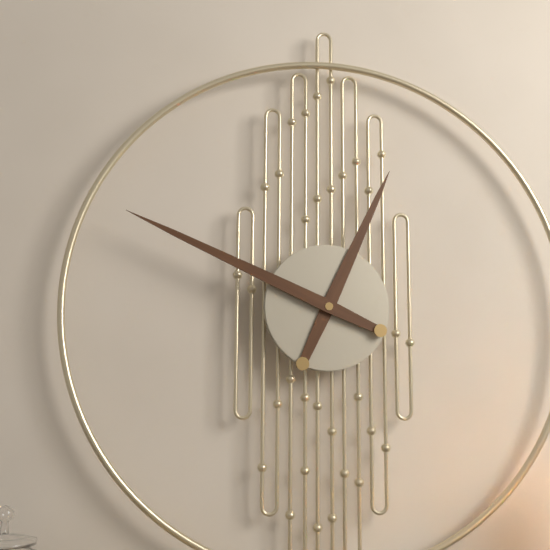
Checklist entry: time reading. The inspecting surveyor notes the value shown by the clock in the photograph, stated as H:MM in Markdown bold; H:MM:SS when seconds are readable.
**12:49**
